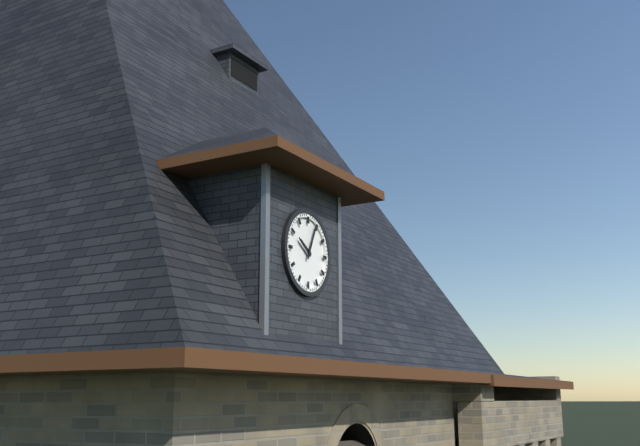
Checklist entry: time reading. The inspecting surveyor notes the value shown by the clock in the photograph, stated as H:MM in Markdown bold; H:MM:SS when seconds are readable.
**10:04**
